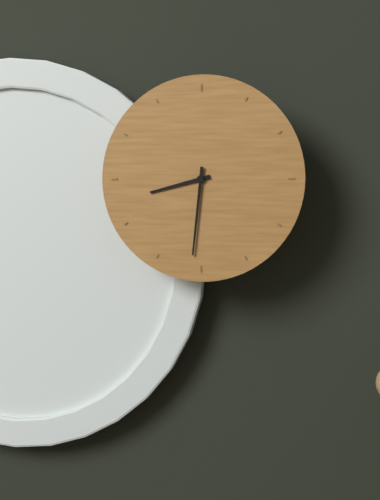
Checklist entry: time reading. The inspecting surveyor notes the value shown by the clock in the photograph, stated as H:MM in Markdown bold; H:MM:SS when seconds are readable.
**8:31**
